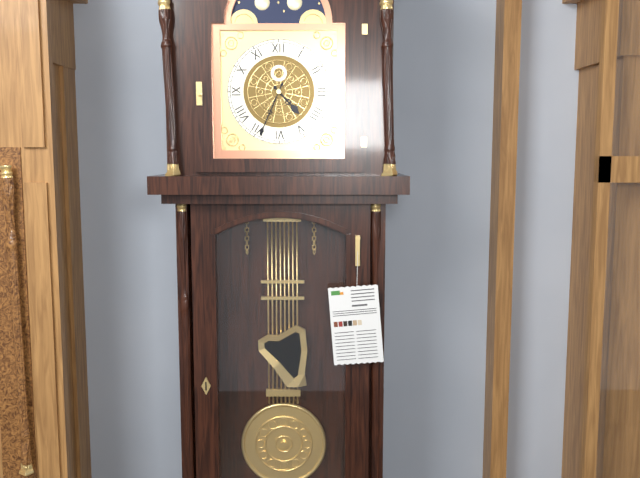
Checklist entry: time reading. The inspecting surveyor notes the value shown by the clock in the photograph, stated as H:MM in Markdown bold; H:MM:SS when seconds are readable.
**4:34**
